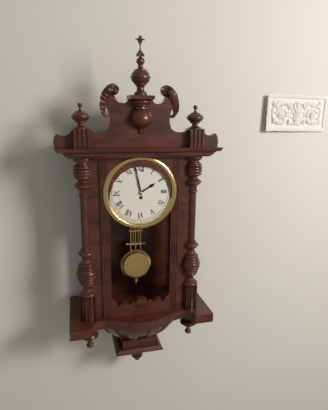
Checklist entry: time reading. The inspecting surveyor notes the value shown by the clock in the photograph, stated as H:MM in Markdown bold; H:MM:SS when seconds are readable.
**1:58**
